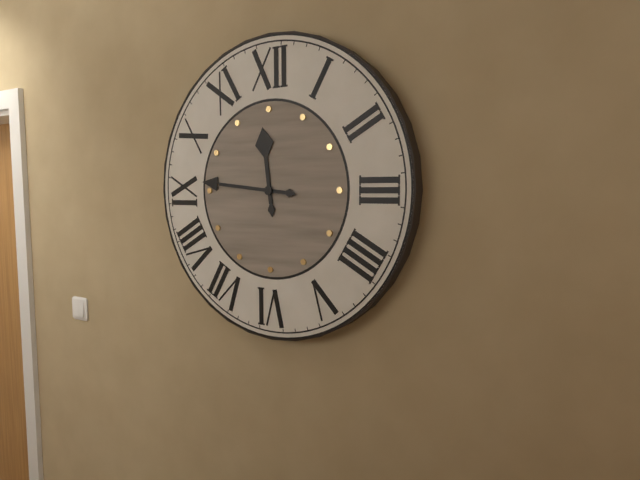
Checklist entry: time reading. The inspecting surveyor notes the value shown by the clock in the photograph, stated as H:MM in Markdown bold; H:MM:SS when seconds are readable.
**11:46**
